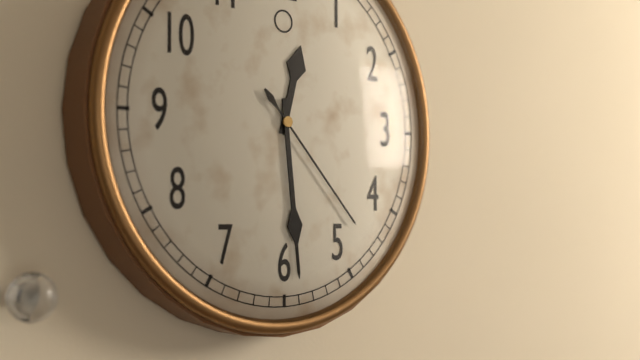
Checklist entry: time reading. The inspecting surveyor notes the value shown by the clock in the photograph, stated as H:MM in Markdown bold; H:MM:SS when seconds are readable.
**12:29:23**
